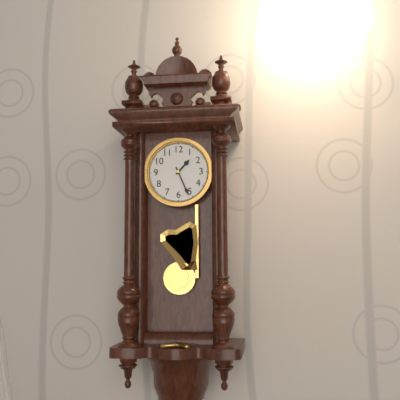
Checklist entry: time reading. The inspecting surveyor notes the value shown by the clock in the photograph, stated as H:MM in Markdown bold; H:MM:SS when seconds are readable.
**1:26**
